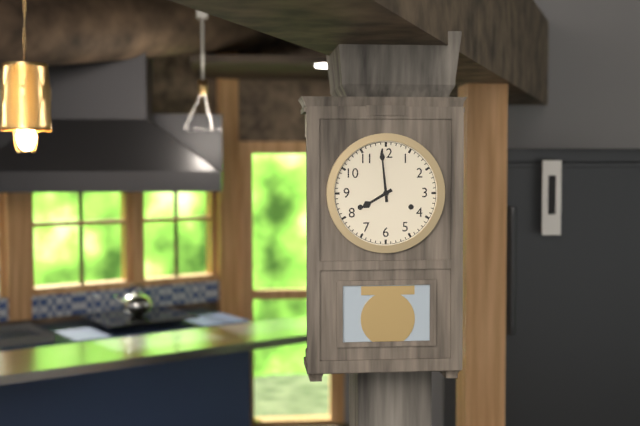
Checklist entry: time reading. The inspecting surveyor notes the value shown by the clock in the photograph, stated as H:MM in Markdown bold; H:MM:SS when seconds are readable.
**7:59**
